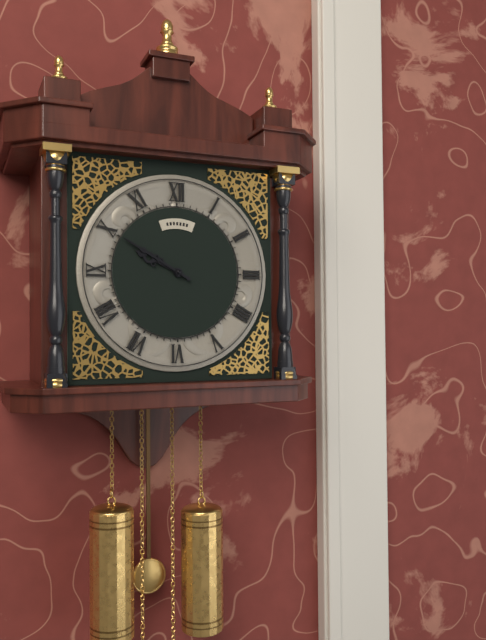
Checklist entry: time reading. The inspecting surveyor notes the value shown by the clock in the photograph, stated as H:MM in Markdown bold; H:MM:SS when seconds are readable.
**9:50**
